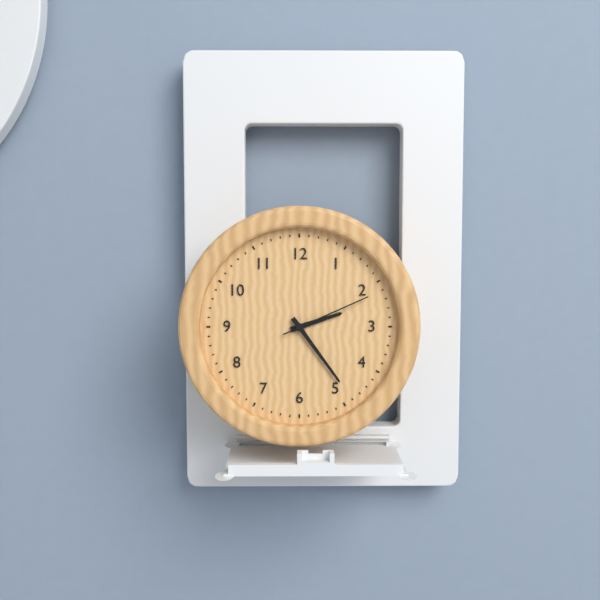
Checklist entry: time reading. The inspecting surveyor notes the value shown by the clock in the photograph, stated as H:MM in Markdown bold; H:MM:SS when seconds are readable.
**2:24:11**
